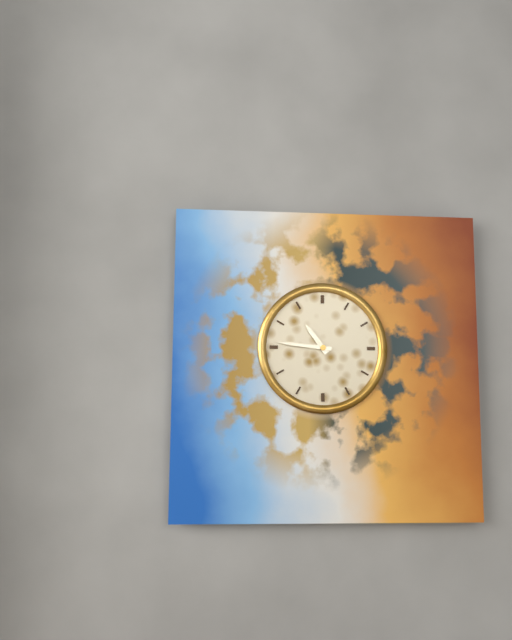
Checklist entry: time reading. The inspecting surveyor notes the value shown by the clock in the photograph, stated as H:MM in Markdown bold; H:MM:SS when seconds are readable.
**10:46**
